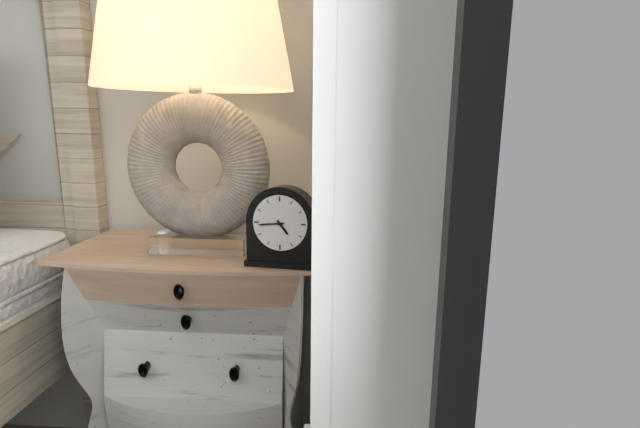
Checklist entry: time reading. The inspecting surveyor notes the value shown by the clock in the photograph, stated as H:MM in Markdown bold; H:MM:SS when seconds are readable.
**4:44**
